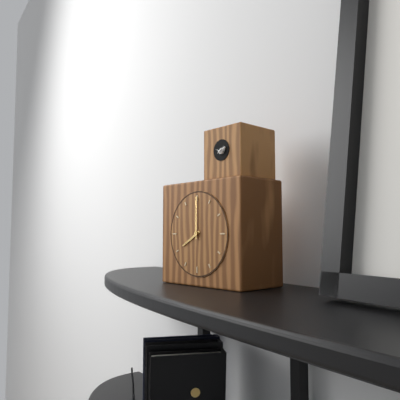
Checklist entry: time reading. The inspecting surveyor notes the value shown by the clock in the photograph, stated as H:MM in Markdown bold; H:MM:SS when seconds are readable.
**8:00**
